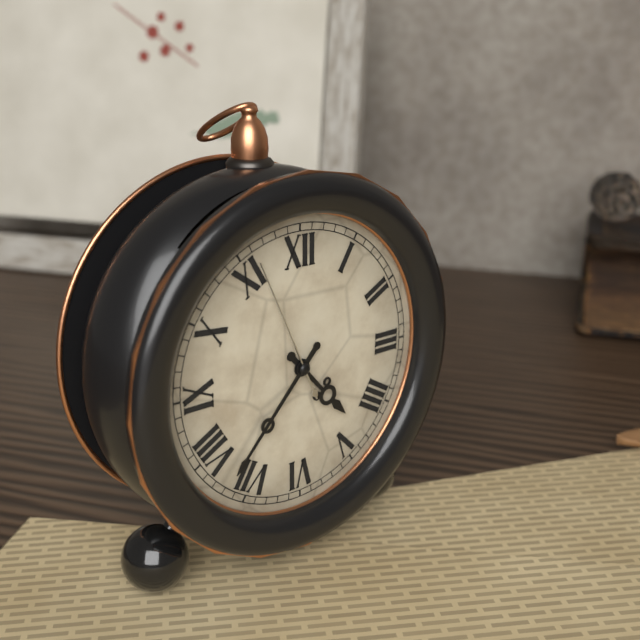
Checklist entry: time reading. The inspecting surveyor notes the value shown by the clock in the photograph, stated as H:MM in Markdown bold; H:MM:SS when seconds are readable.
**4:37:56**
